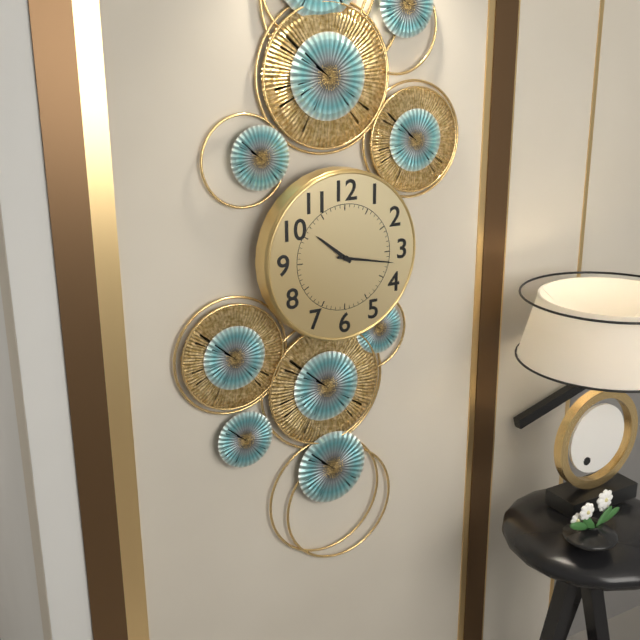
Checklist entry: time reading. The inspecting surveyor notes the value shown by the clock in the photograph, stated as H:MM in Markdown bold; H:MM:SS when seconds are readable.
**10:17**
